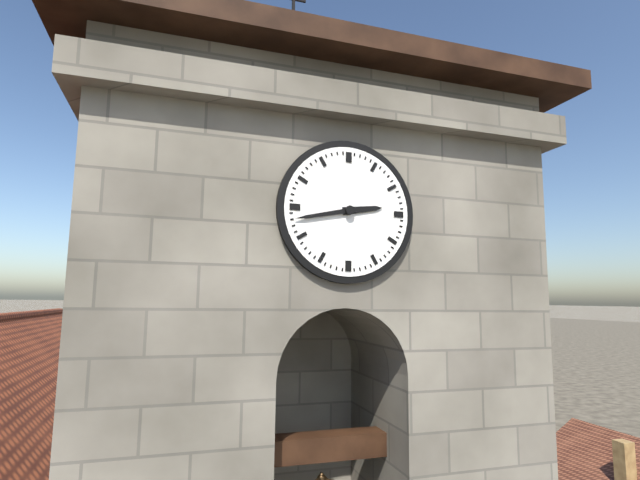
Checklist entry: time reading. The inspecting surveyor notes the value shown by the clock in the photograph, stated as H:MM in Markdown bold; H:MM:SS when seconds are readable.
**2:43**
